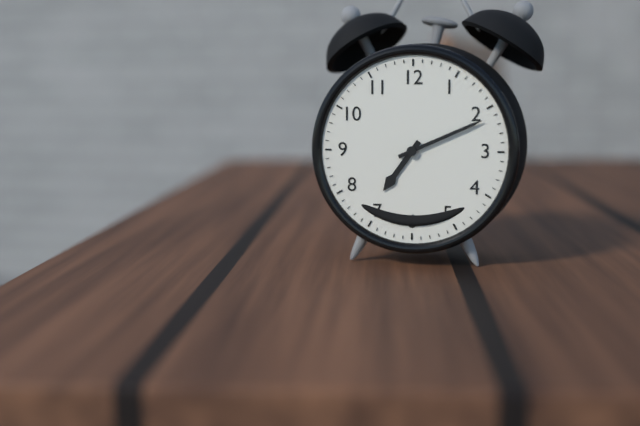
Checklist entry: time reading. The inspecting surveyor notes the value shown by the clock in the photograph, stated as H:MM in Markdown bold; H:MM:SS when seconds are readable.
**7:11**
